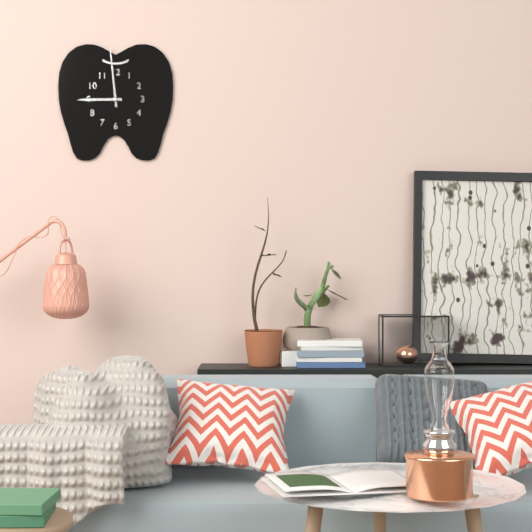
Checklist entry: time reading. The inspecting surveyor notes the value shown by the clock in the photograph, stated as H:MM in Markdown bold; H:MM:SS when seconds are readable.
**8:59**
